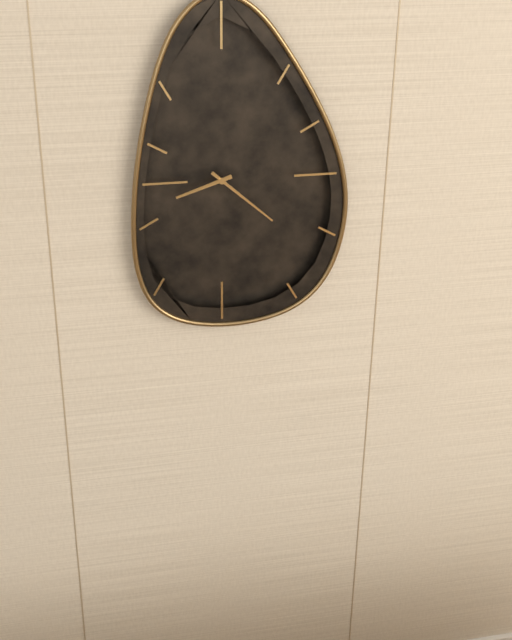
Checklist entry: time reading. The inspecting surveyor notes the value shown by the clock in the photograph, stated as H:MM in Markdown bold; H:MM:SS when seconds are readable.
**8:22**
